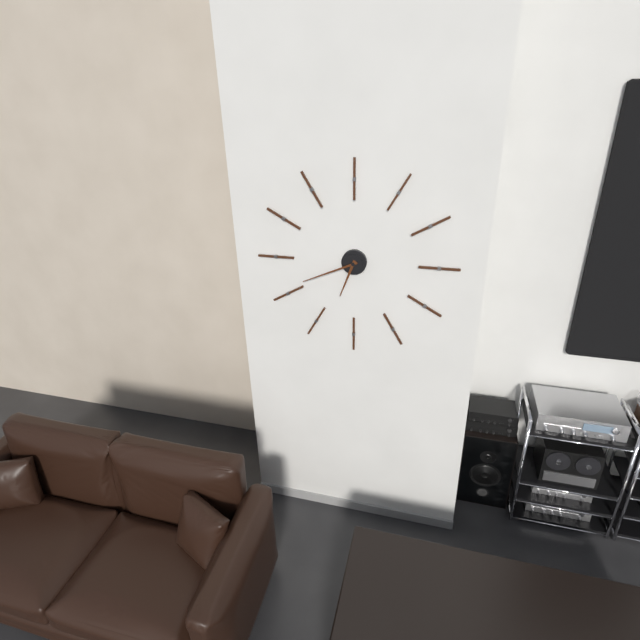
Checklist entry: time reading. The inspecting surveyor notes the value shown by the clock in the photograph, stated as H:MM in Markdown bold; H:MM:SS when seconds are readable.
**6:41**
